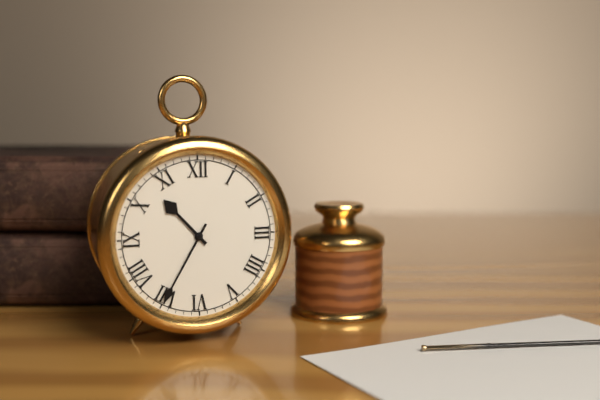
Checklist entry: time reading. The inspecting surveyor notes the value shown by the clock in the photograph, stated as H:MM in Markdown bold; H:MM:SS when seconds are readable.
**10:35**
